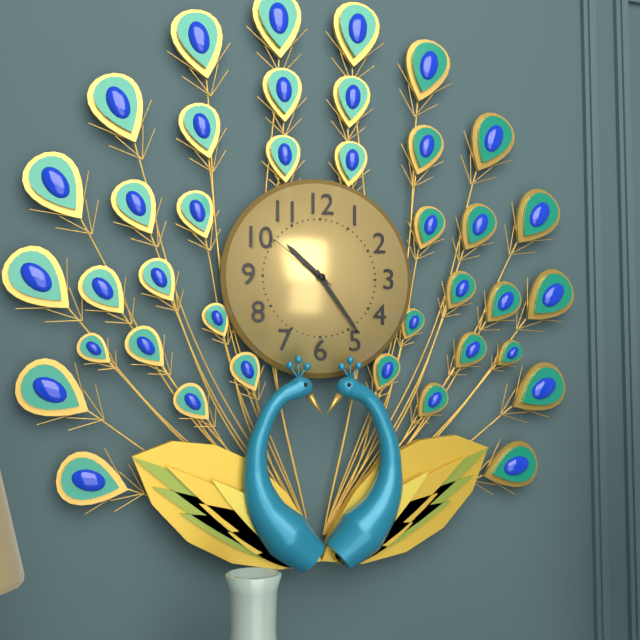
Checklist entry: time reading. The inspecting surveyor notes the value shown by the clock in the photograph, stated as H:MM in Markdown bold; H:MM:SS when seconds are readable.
**10:24:51**
